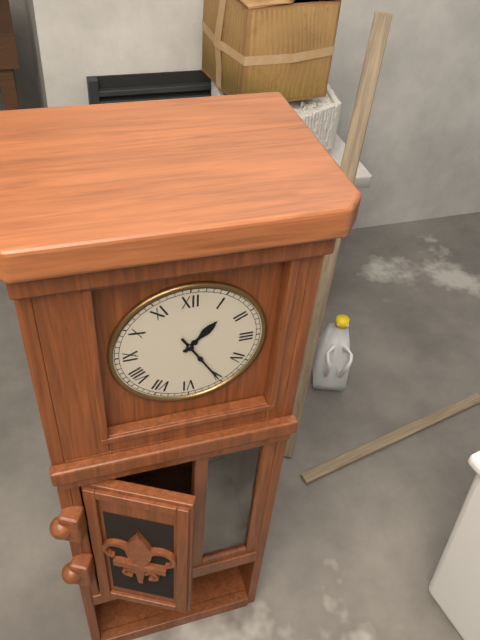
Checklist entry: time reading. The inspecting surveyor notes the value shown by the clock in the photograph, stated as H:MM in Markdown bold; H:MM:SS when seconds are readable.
**1:25**
